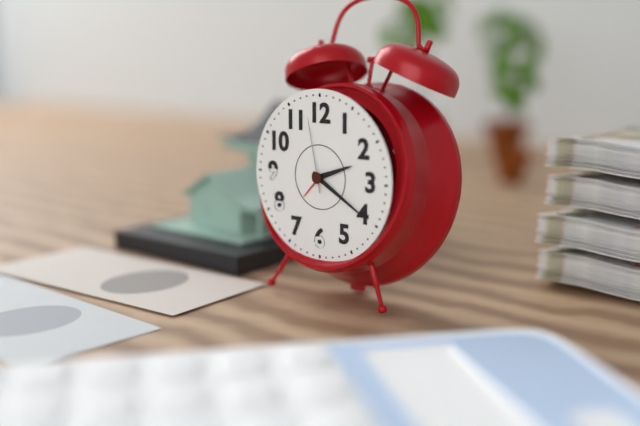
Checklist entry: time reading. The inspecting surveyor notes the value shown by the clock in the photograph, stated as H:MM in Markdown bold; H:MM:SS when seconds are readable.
**2:20:58**
